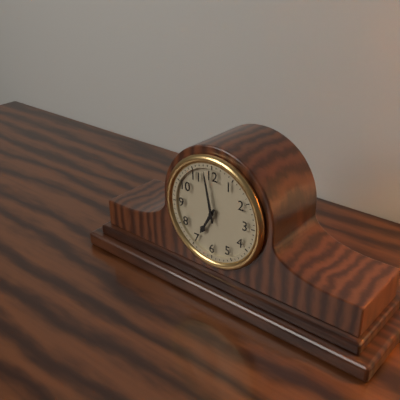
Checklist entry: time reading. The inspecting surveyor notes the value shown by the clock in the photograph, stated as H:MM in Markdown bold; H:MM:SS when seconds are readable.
**6:58**
